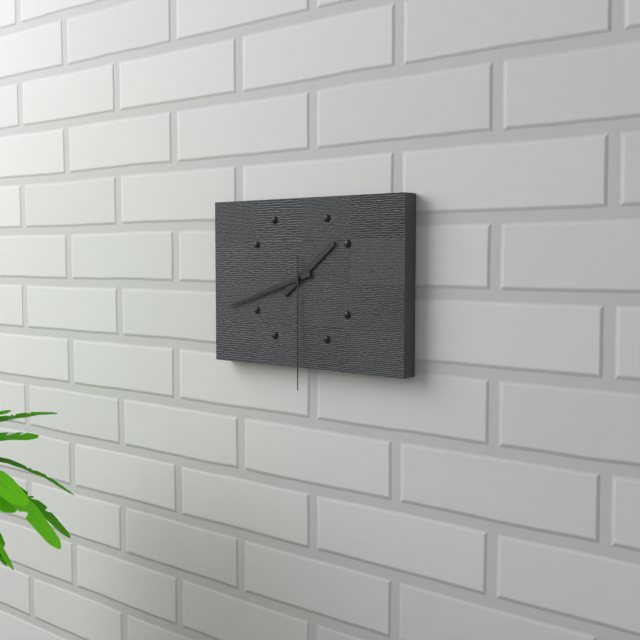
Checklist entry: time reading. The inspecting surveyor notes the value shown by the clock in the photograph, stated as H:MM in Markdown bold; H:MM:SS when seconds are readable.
**1:42:30**
